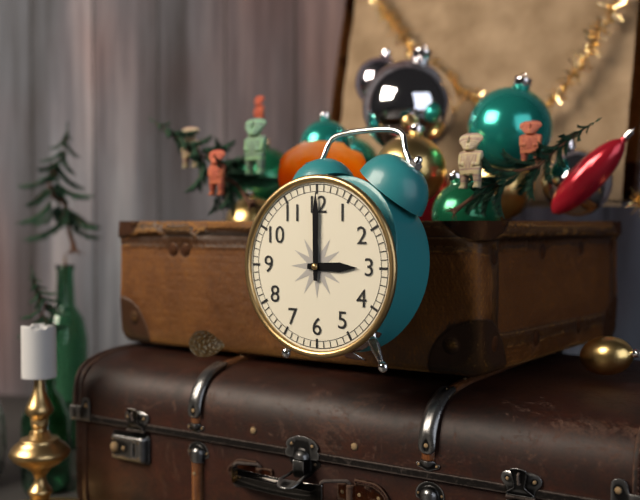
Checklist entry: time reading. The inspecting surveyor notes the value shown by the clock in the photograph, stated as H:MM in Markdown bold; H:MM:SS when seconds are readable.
**3:00**
